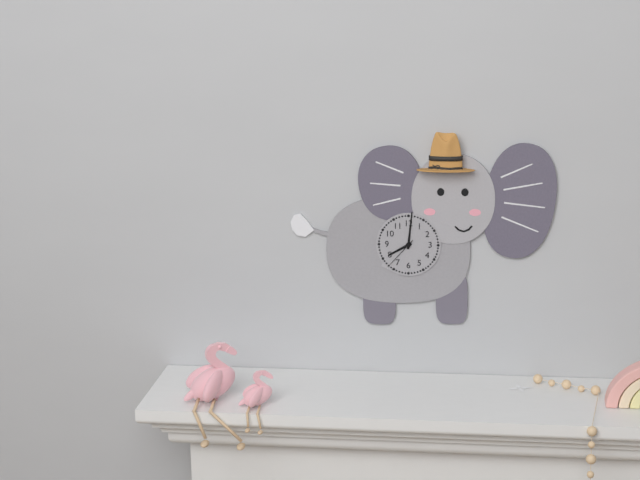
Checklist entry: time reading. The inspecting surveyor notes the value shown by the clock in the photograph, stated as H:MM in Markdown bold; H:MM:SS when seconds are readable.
**8:01**
